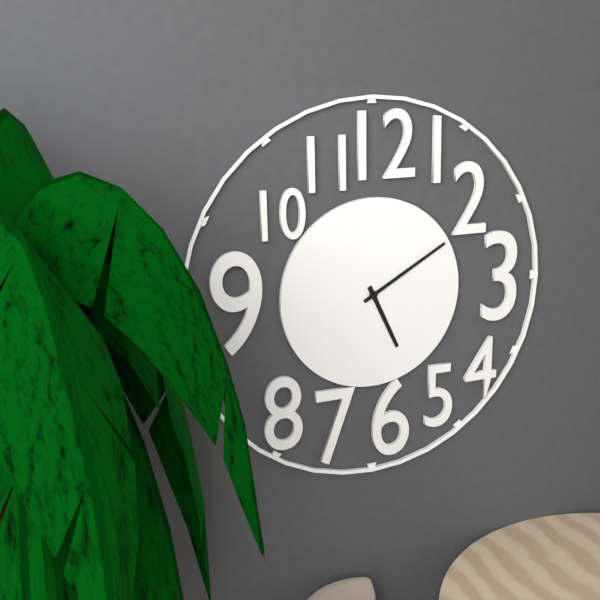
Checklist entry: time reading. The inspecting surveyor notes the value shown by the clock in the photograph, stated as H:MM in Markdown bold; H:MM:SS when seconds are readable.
**5:10**
